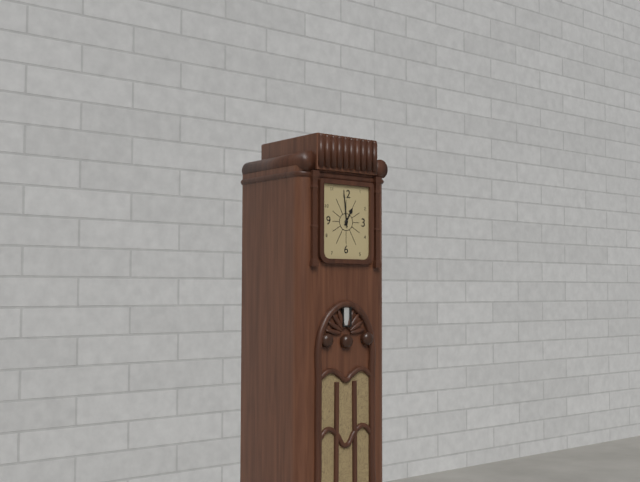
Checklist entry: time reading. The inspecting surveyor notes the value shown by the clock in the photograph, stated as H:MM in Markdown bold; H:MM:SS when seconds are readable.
**12:59**
